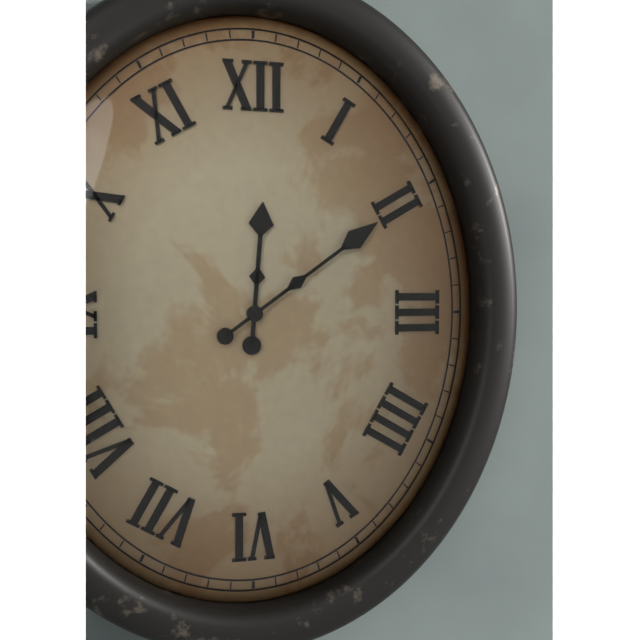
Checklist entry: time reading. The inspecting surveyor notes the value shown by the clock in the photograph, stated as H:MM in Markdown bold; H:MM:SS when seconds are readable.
**12:09**
